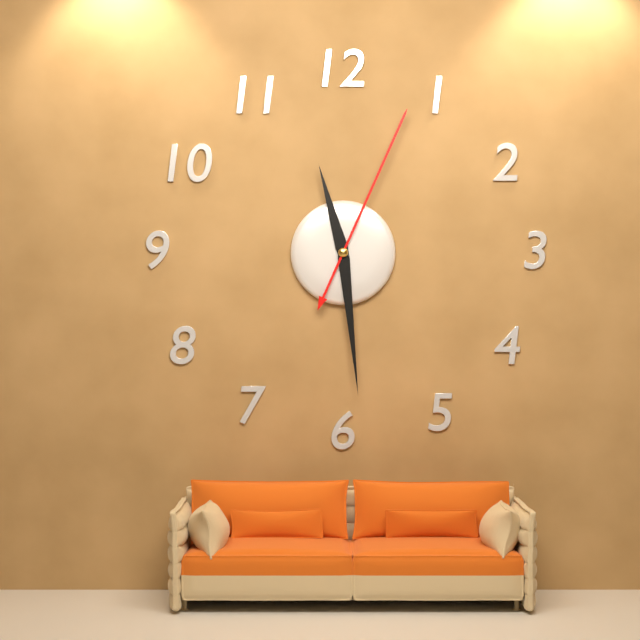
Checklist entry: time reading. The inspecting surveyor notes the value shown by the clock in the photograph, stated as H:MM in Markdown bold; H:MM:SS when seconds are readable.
**11:29:04**
